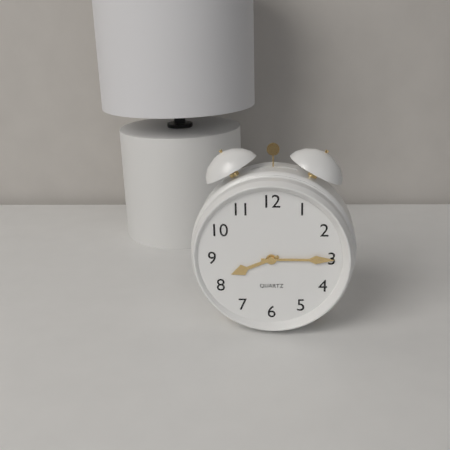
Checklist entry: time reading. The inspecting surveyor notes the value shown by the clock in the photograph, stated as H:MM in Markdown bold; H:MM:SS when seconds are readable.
**8:15**
